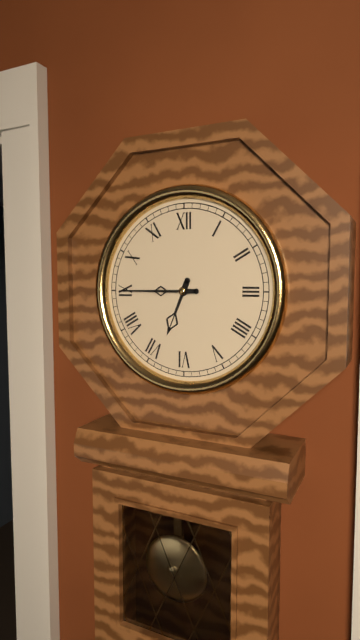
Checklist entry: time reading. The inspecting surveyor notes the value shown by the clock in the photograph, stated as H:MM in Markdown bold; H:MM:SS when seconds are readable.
**6:45**
